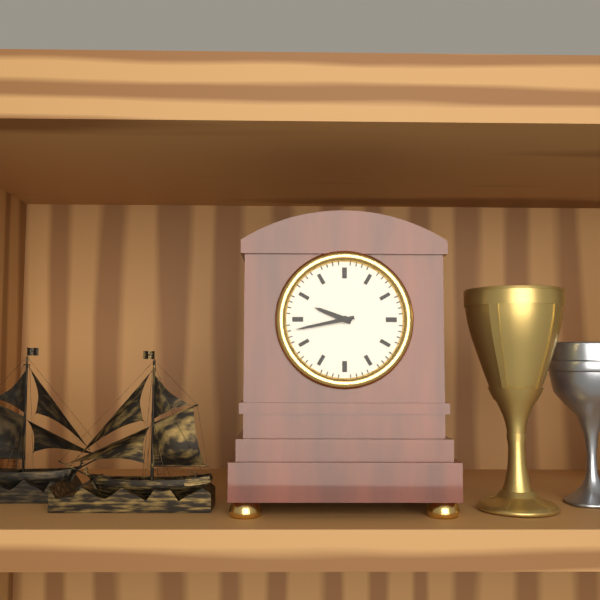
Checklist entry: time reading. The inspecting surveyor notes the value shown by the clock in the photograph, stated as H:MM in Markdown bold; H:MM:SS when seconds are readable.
**9:43**
